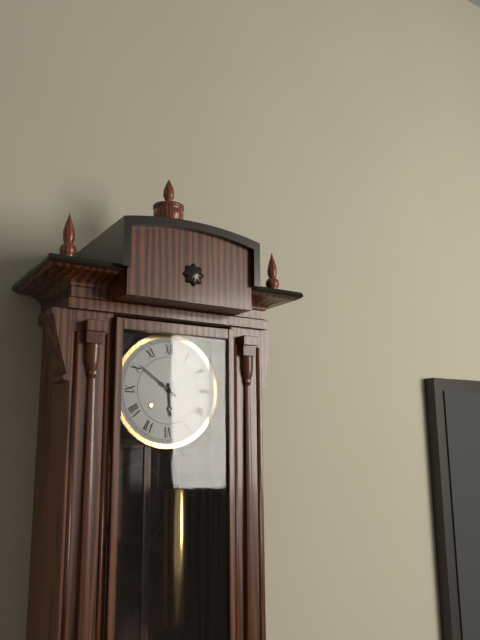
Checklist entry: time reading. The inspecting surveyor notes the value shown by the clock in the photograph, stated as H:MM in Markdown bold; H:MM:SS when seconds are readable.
**5:51**
